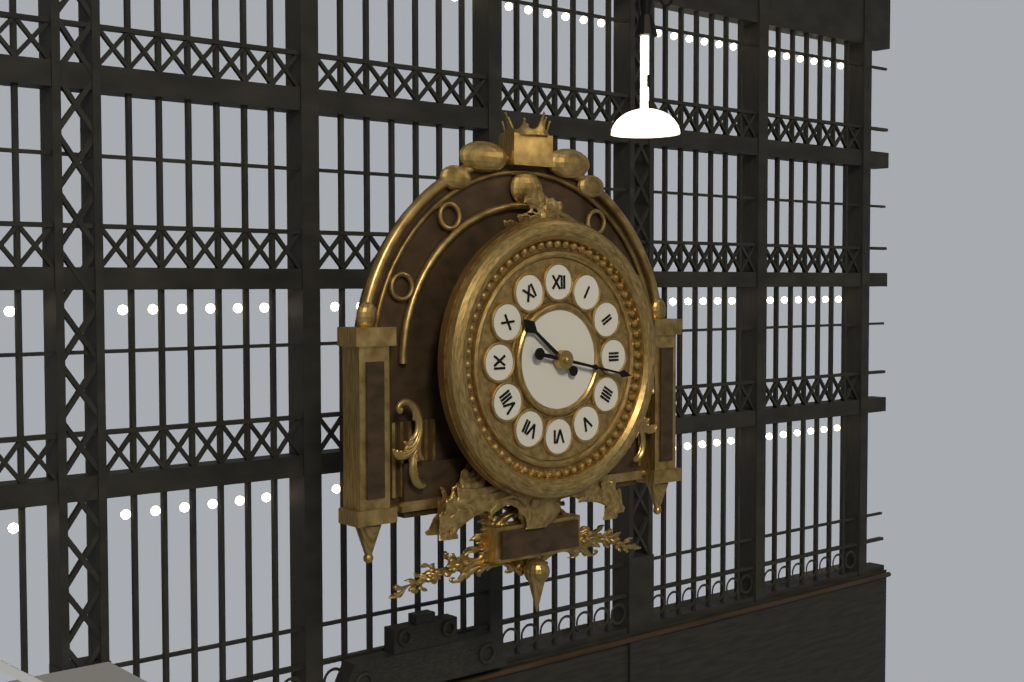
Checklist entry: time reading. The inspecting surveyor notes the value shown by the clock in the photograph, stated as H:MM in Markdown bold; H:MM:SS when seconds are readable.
**10:17**
